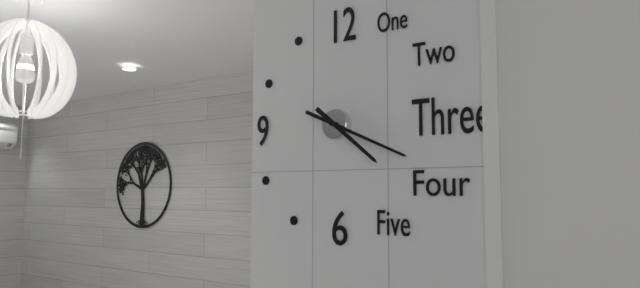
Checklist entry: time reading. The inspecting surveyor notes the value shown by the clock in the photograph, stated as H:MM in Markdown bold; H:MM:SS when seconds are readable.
**4:19**
